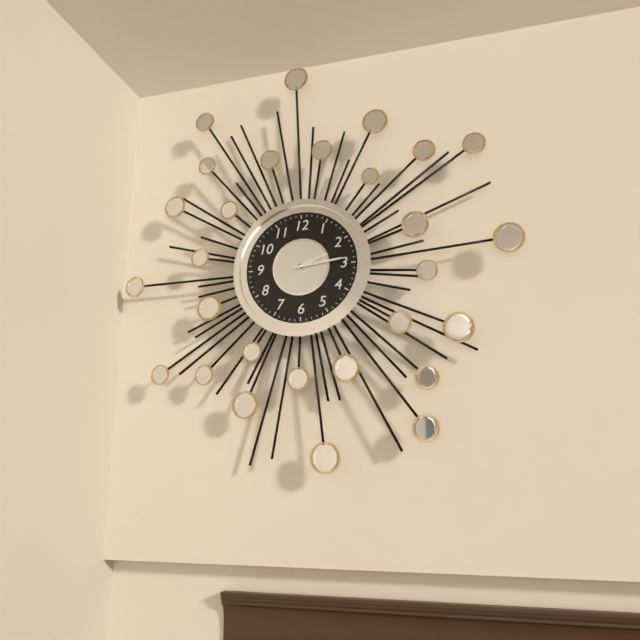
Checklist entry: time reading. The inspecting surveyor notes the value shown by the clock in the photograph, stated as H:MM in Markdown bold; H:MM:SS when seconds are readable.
**2:14**
